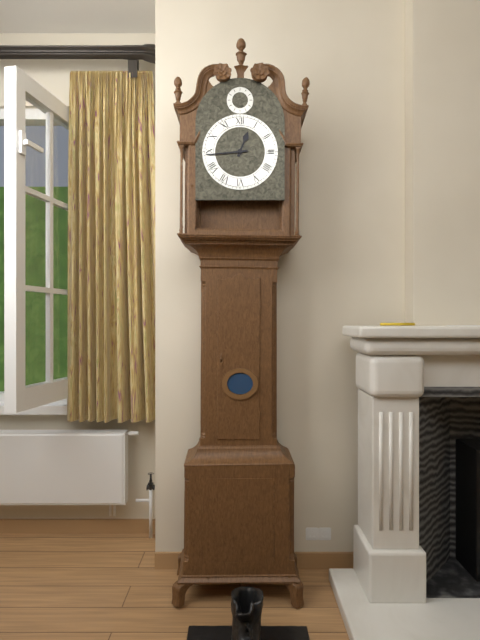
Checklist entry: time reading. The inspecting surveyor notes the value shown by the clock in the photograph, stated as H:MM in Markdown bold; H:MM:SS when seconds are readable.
**12:44**
